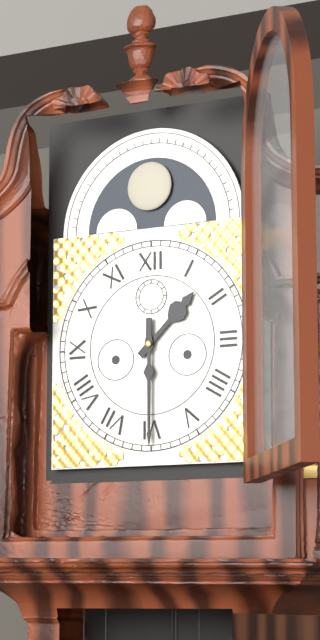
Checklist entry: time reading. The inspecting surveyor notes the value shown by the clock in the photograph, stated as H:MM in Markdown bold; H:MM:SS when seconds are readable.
**1:30**
